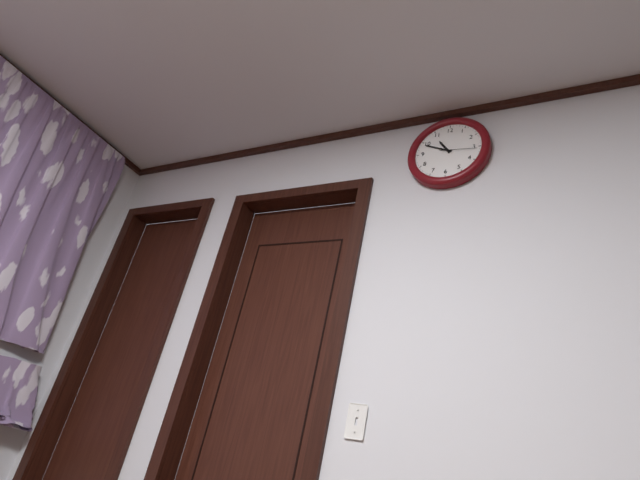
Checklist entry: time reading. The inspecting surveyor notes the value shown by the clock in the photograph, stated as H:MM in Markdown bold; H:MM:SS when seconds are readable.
**10:49**
